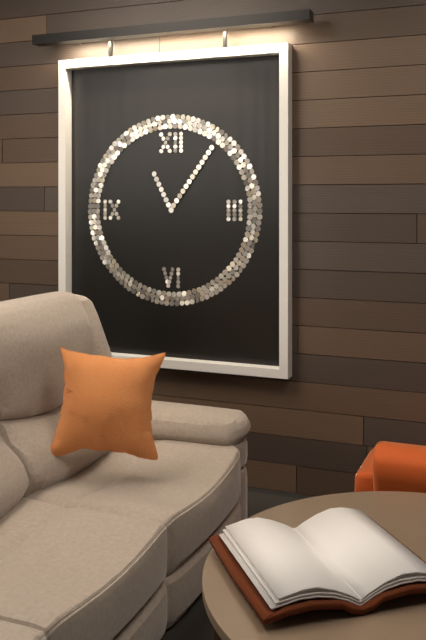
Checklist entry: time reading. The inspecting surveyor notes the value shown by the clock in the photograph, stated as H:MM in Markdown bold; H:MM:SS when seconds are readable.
**11:06**
